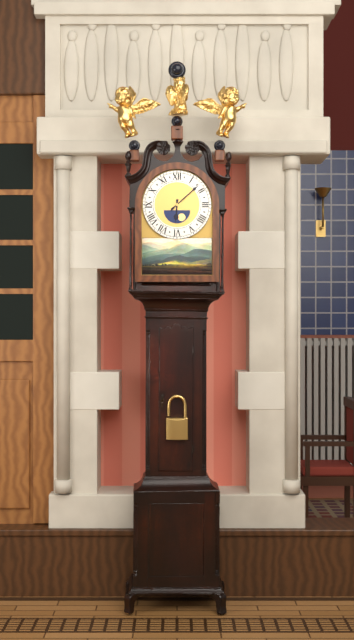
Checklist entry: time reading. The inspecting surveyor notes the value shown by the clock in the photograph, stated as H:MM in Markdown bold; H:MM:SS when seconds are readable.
**6:08**
